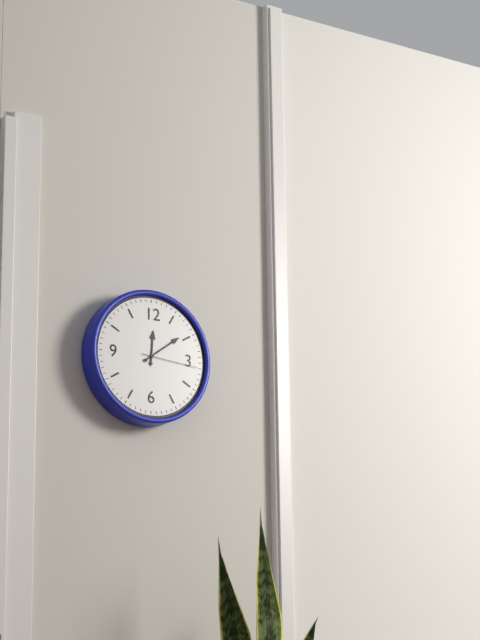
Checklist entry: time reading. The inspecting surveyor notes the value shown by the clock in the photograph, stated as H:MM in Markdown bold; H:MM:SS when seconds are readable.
**12:09:16**
